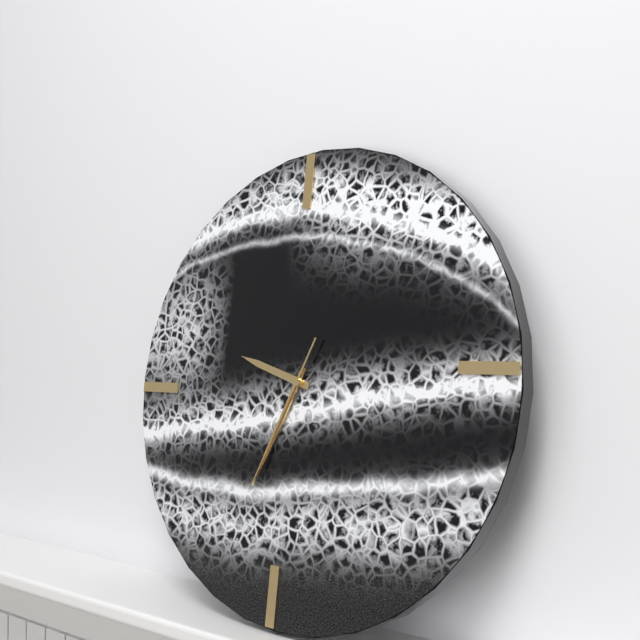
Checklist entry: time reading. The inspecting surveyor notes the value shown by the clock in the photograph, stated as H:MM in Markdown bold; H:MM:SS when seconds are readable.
**9:34:34**
